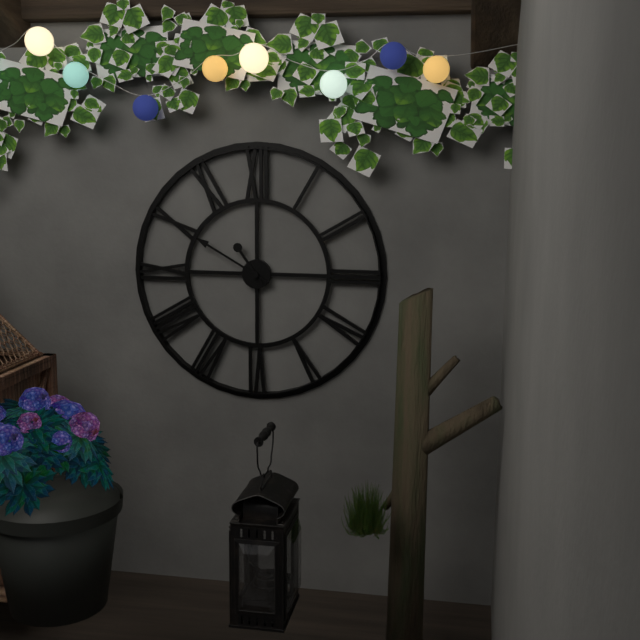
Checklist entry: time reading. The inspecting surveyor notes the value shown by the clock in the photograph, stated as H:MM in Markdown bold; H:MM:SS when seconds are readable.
**10:50**
